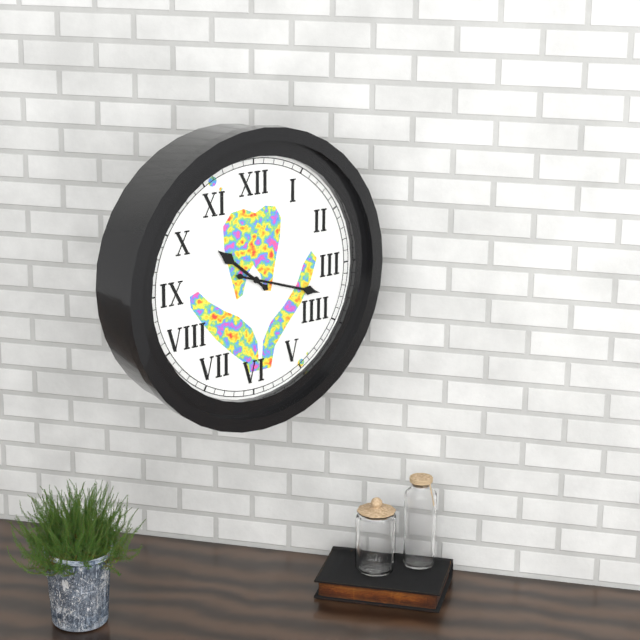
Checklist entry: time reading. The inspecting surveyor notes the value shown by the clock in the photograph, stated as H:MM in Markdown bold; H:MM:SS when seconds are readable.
**10:18**
